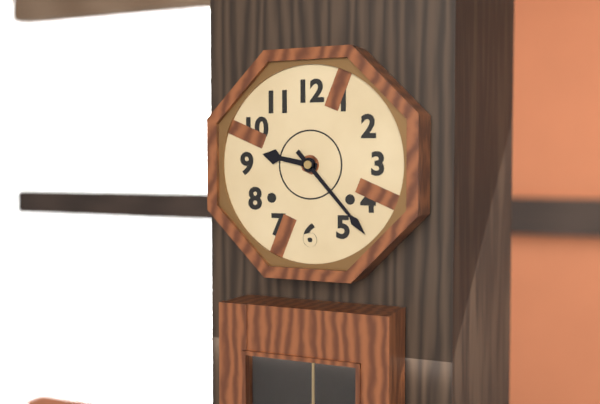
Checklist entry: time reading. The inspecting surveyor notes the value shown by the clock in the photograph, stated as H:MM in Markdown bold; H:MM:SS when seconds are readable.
**9:23**
